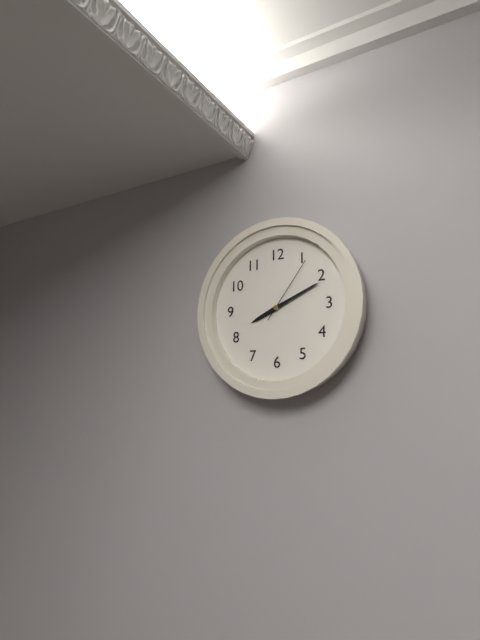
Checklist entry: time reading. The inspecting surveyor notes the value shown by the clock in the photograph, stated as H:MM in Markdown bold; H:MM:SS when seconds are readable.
**8:11:06**
